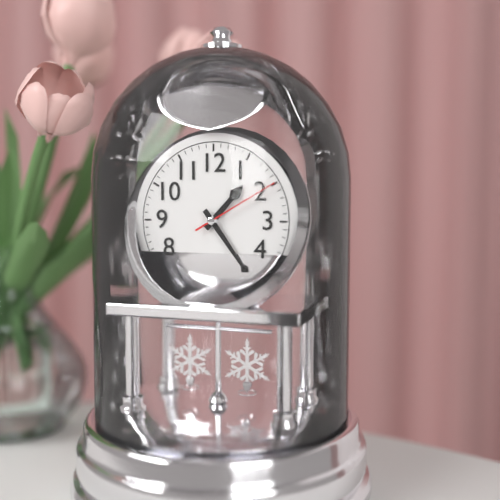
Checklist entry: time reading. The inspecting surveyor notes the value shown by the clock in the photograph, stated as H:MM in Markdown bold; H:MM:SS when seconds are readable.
**1:24:10**
